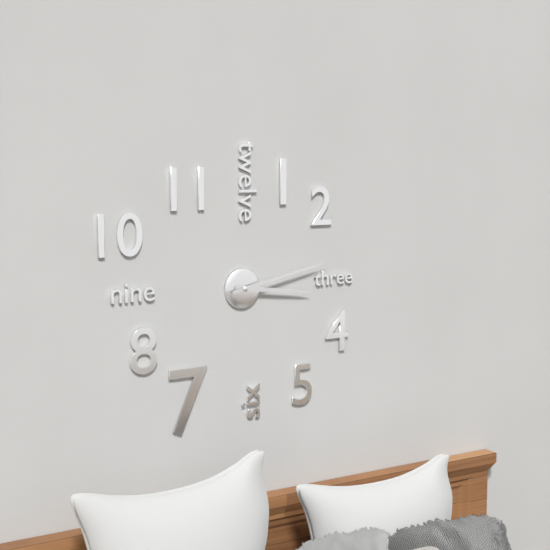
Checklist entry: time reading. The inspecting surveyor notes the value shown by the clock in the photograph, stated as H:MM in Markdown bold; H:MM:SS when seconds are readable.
**3:13**
